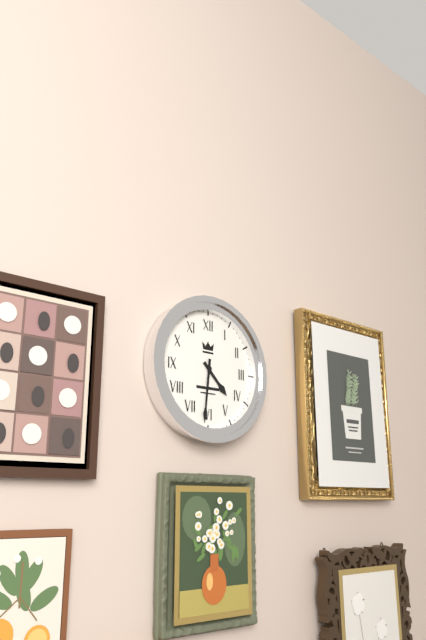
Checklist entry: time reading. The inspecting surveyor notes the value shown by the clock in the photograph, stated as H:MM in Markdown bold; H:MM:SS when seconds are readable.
**4:31**
